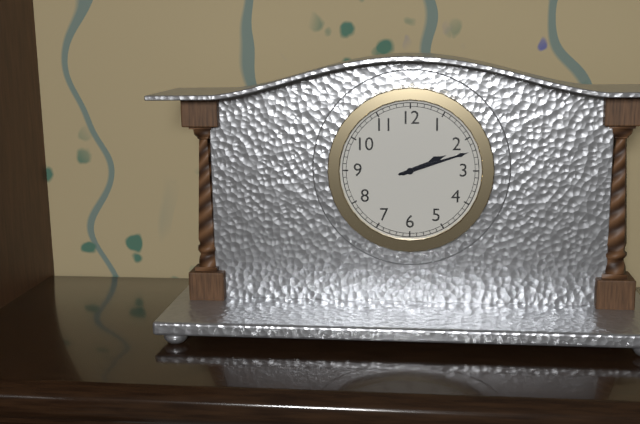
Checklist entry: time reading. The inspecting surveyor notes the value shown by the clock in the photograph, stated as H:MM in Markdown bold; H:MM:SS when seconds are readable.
**2:12**
